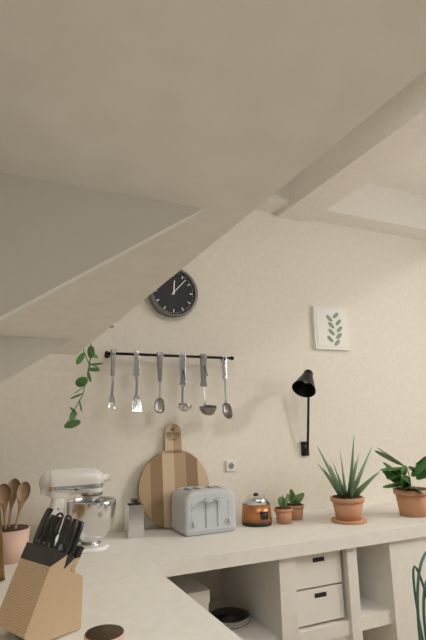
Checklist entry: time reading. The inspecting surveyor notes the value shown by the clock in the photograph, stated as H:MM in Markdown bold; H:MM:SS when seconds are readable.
**12:07**
